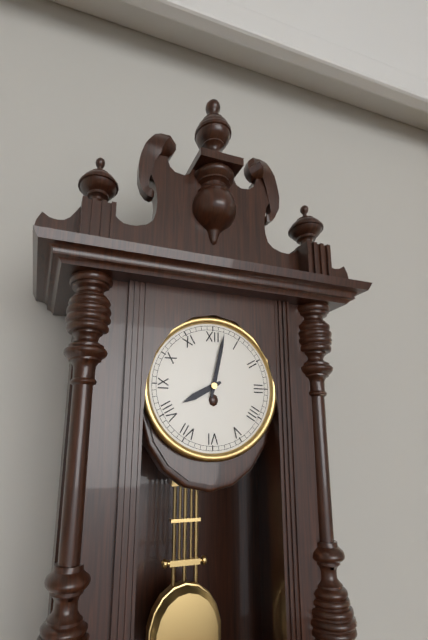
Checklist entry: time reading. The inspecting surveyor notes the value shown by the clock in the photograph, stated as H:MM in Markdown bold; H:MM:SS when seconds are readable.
**8:02**
